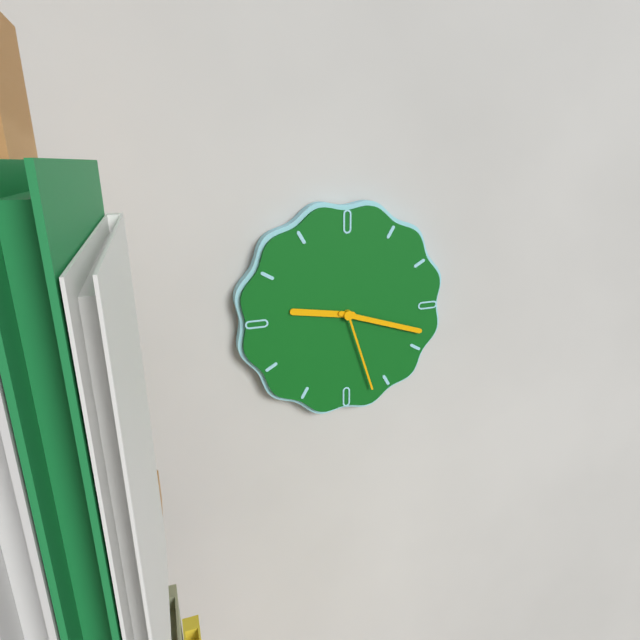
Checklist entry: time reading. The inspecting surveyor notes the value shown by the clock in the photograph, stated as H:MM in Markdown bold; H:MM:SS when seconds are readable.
**9:18:27**
